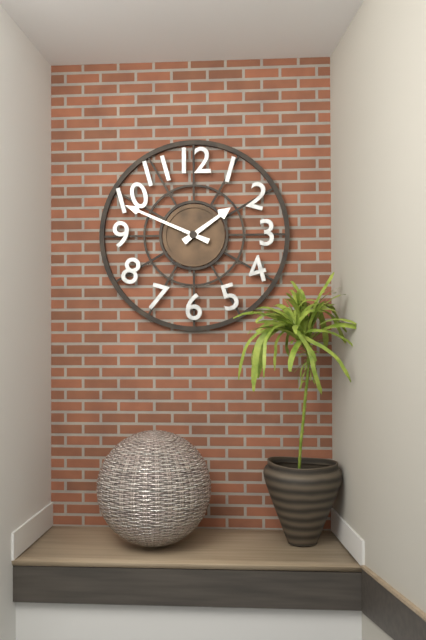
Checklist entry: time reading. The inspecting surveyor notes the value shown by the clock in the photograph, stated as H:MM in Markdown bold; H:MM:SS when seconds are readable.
**1:49**
